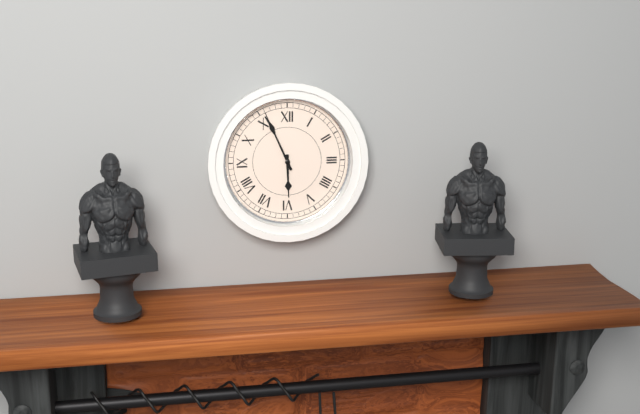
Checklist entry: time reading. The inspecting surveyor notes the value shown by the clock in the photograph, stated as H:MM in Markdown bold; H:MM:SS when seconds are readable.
**5:56**
